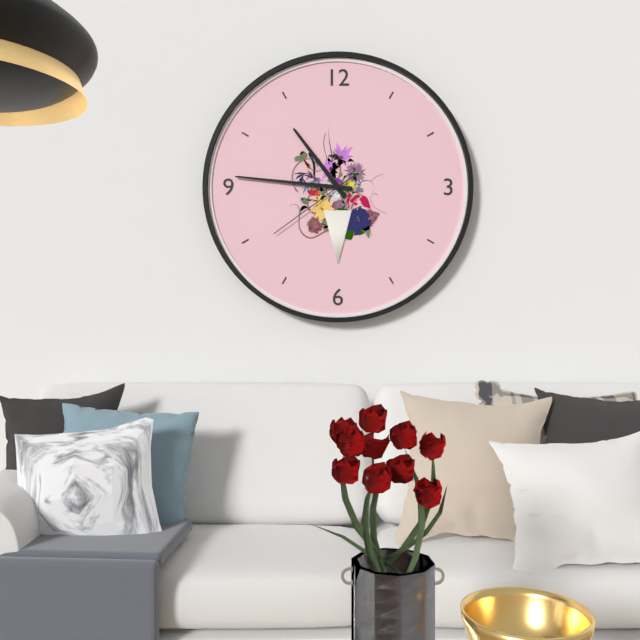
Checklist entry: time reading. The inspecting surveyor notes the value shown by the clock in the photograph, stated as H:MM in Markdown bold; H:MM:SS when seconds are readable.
**10:46:39**
